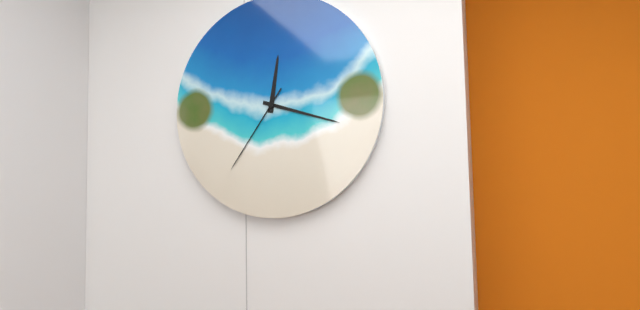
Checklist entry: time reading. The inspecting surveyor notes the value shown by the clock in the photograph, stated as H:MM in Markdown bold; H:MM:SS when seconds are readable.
**12:18:36**
